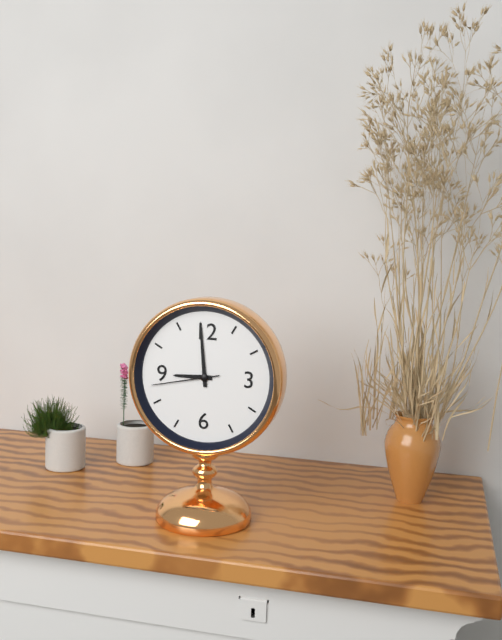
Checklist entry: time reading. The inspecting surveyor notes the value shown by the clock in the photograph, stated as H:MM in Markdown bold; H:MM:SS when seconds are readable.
**8:59:43**
